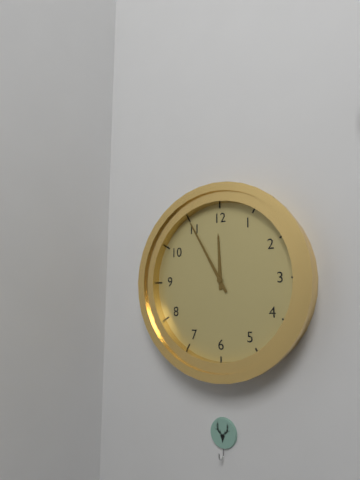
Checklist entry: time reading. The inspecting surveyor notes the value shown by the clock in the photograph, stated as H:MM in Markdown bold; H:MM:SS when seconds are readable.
**11:55**
